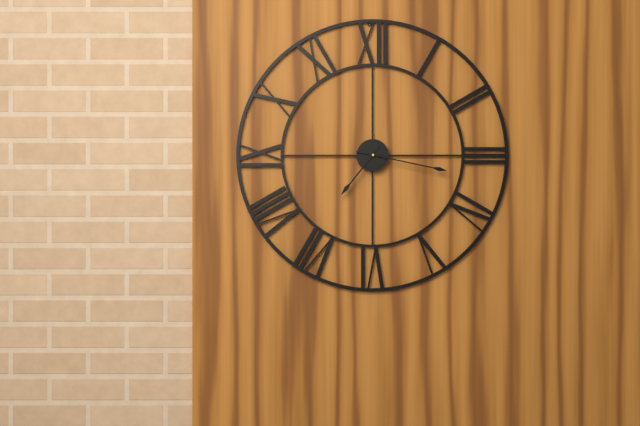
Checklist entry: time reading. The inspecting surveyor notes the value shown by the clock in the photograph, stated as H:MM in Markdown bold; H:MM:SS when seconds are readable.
**7:17**
